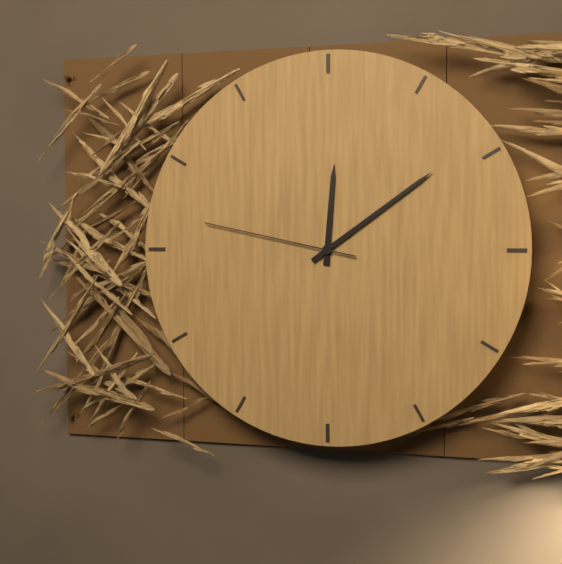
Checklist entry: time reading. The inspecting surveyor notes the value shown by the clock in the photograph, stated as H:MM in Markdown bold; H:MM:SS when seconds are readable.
**12:09:47**
